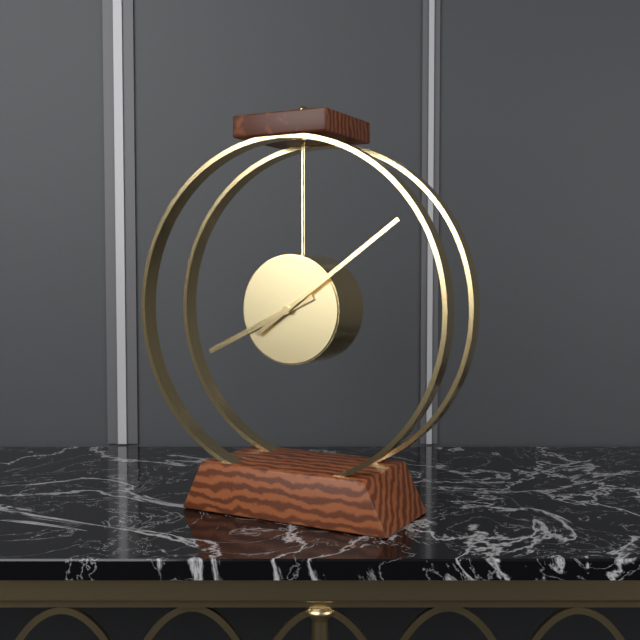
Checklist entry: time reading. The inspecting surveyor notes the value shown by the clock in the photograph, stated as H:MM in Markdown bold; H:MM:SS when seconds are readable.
**8:09**
